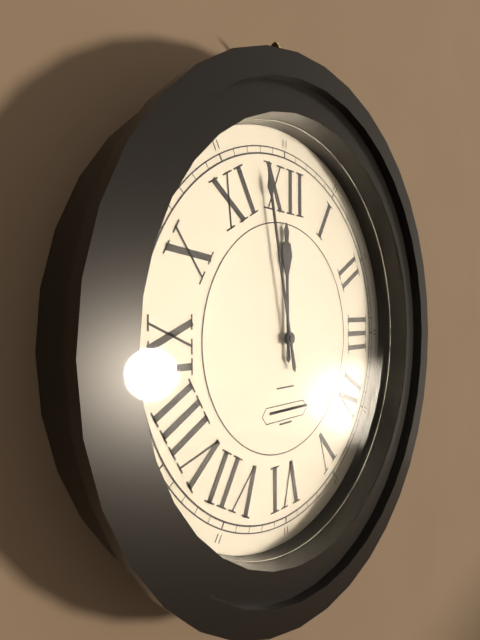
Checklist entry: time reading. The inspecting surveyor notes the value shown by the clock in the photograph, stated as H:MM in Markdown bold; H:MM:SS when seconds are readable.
**11:58**
